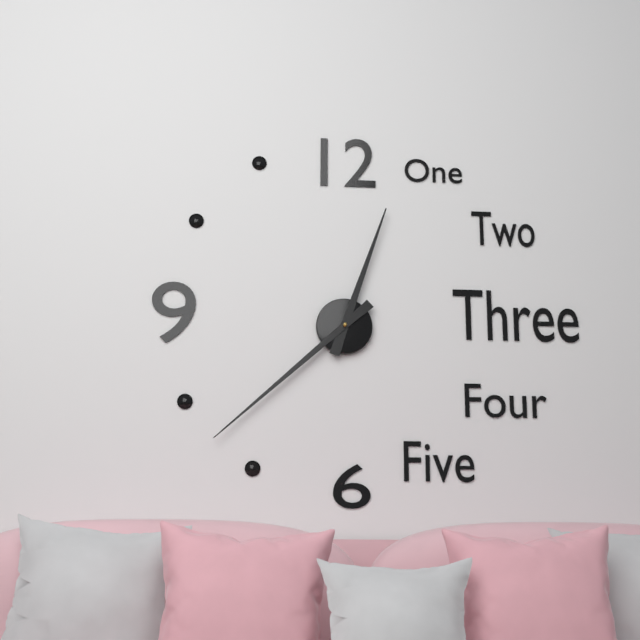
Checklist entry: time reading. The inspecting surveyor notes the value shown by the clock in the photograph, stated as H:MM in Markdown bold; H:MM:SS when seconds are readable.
**12:38**
